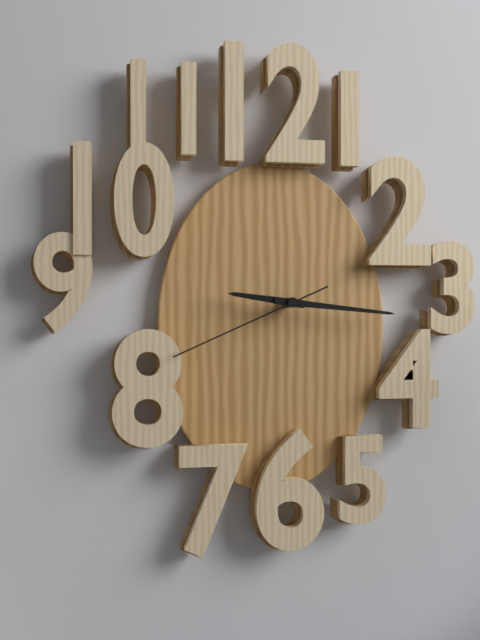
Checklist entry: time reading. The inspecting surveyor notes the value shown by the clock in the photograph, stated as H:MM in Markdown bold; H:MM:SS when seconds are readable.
**9:16:41**
